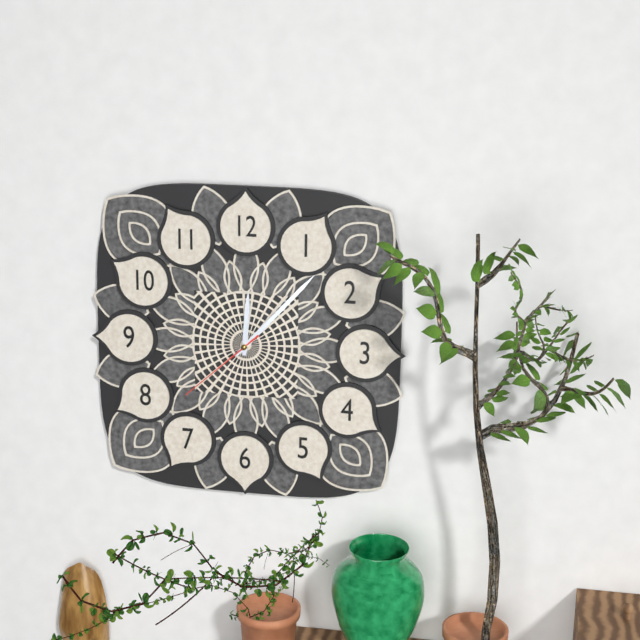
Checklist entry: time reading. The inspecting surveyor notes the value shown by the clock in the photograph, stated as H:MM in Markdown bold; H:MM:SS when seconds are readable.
**12:07:38**
